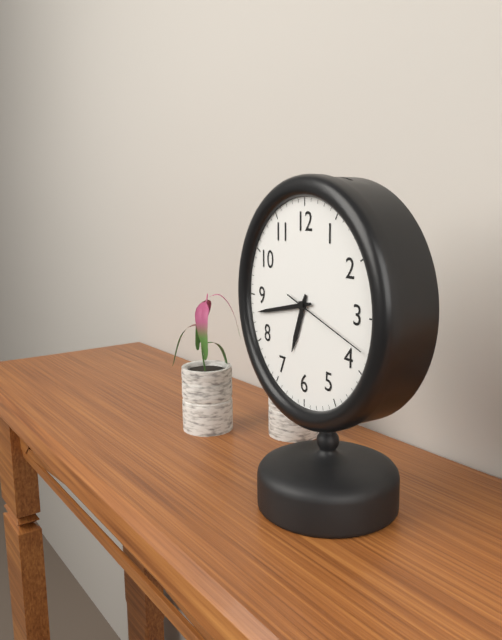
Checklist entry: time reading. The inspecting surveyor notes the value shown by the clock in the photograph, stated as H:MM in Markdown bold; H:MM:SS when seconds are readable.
**6:43:18**
